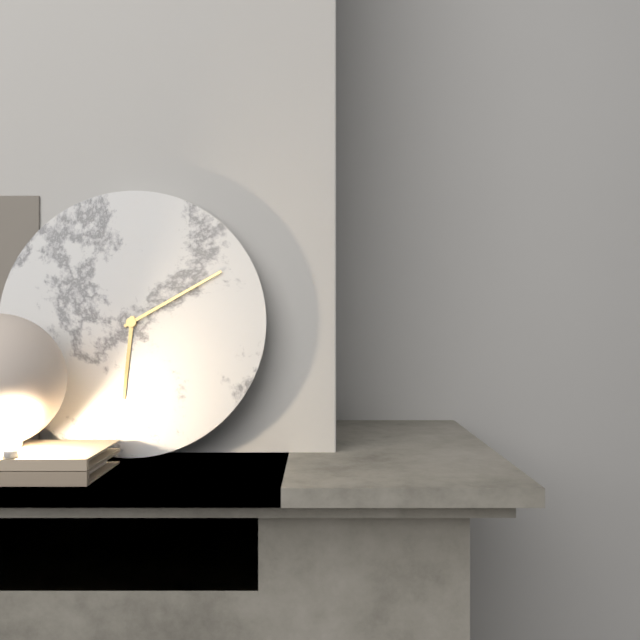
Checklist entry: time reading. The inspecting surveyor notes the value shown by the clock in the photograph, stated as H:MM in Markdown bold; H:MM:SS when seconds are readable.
**6:10**
